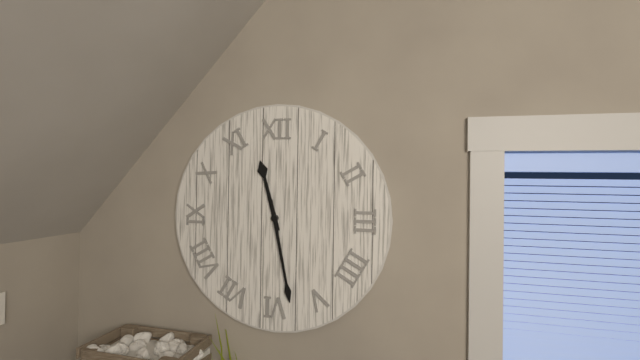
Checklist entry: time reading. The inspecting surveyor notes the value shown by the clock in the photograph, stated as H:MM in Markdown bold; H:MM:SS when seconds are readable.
**11:28**
